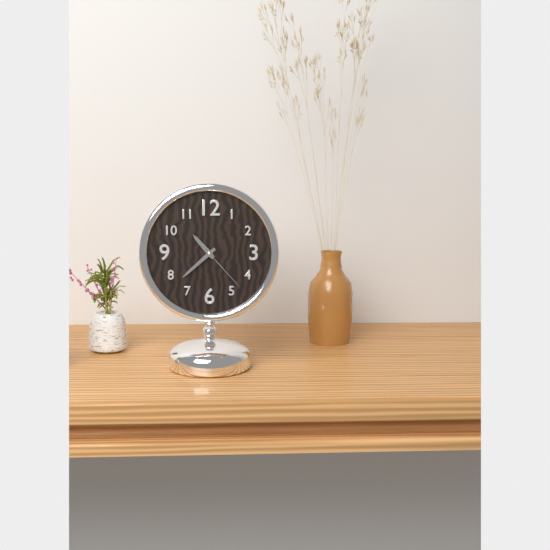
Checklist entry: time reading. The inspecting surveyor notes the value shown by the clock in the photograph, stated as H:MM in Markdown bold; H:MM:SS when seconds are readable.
**10:38:23**
